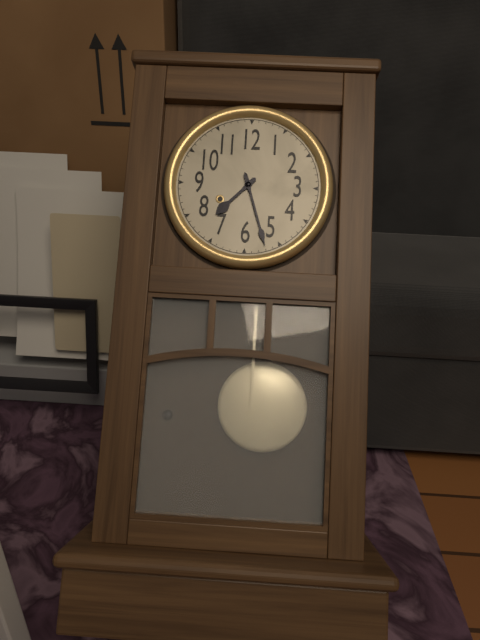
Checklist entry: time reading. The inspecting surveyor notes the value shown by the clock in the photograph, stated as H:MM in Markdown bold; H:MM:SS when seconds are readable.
**7:27**
